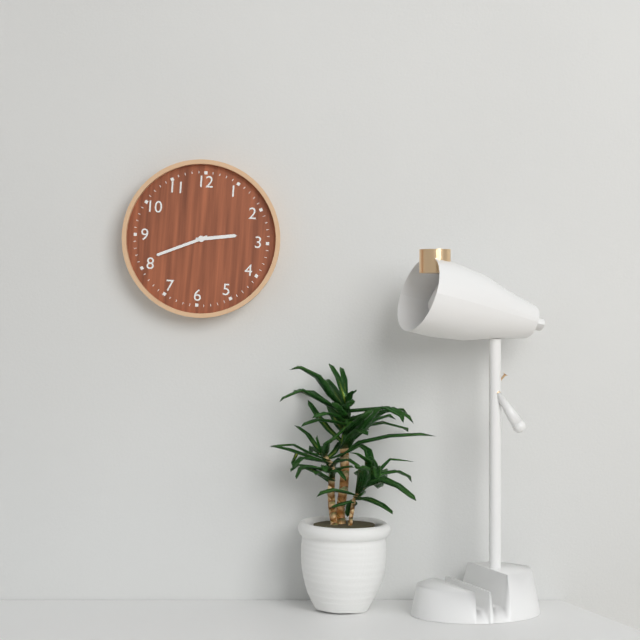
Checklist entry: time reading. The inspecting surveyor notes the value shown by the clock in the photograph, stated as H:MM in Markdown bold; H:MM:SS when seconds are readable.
**2:41**
